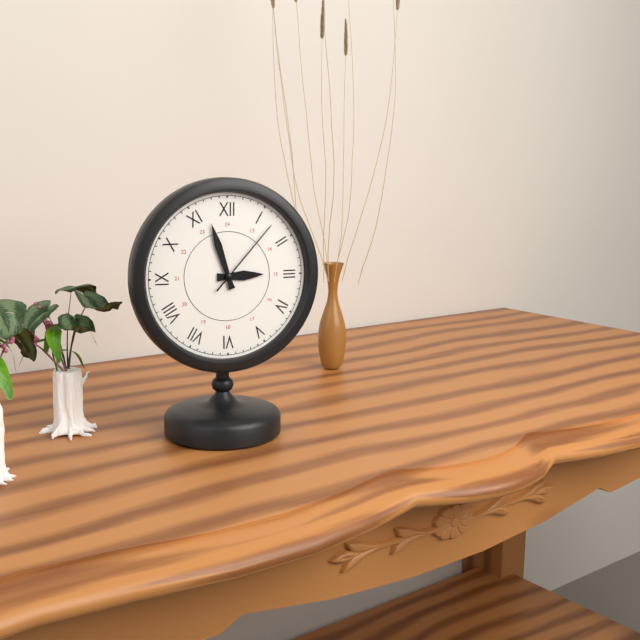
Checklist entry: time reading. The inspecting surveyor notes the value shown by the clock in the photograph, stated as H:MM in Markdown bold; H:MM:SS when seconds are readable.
**2:57:07**
